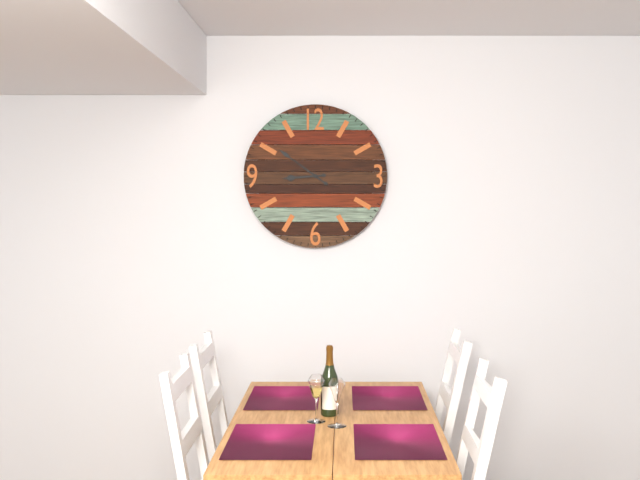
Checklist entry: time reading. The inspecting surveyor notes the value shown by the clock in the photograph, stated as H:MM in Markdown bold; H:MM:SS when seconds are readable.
**8:51**
